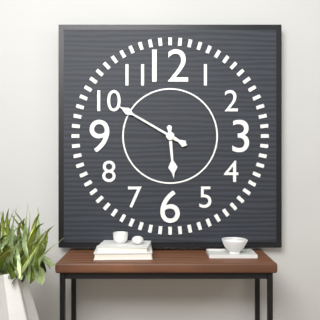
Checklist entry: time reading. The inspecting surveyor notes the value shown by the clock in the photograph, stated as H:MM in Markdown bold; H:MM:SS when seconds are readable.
**5:50**
